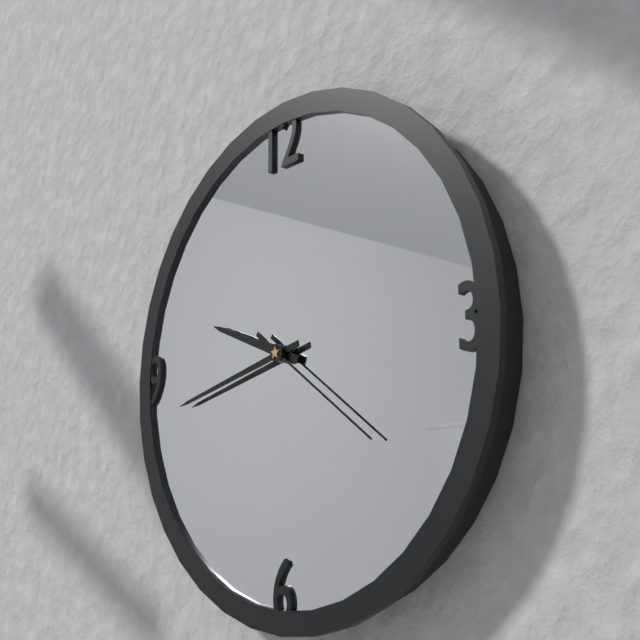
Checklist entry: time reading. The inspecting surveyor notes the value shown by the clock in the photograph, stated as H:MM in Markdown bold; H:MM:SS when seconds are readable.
**9:43:21**
